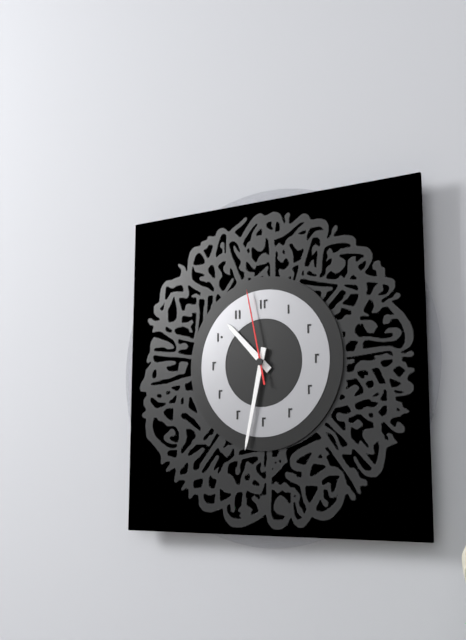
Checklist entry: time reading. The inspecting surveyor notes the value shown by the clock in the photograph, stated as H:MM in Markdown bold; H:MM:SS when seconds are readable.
**10:32:58**
